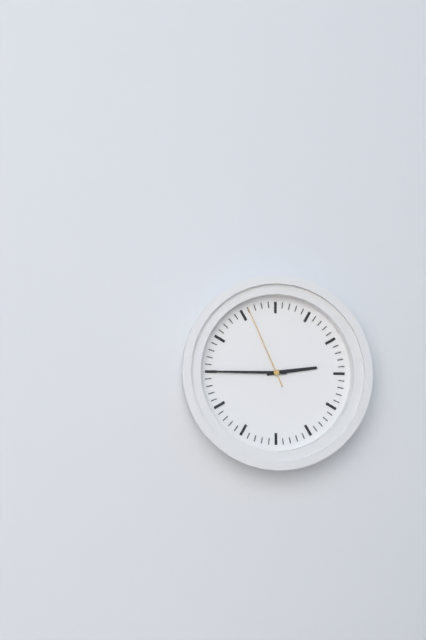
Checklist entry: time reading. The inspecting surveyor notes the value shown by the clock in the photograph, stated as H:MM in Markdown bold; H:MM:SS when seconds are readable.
**2:45:56**
